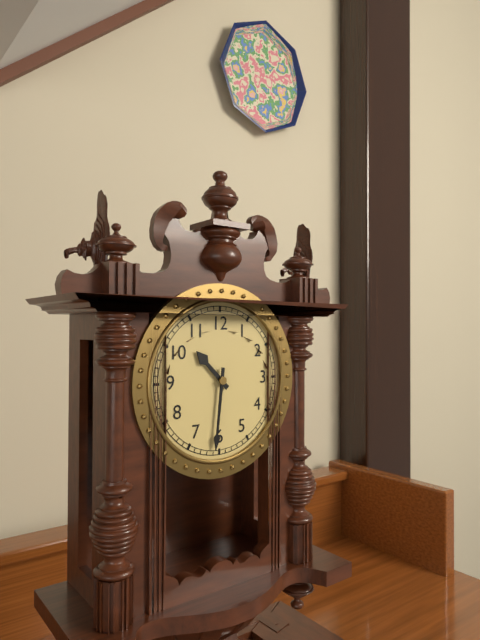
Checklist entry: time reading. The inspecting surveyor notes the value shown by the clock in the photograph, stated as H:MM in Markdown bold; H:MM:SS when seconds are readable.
**10:31**
